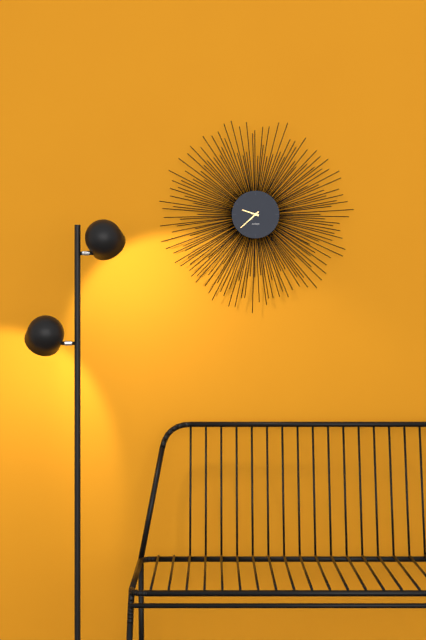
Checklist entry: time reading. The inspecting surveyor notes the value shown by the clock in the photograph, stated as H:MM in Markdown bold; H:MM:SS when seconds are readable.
**9:38**
